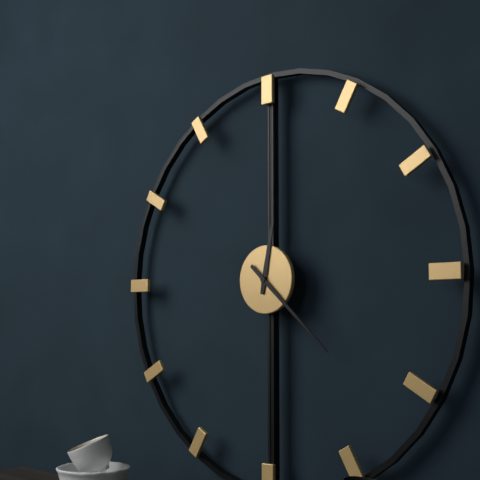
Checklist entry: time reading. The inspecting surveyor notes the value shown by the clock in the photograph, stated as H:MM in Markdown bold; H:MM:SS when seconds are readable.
**12:22**
